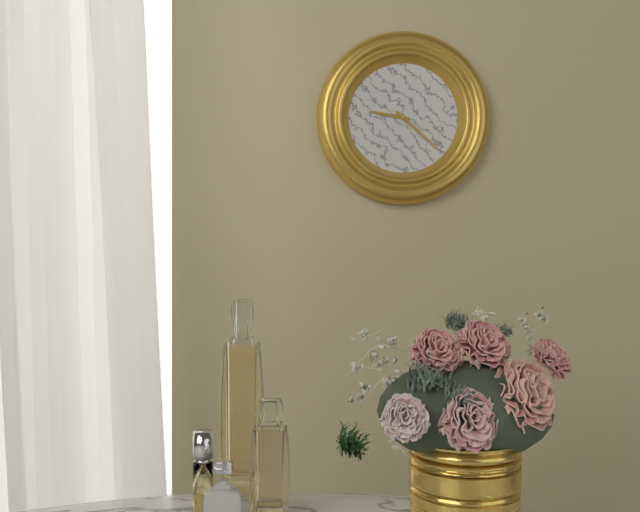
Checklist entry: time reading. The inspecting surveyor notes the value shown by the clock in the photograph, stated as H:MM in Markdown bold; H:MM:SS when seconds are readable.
**9:22**
